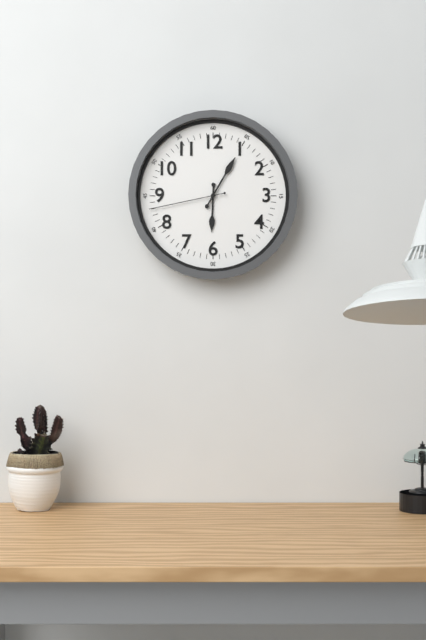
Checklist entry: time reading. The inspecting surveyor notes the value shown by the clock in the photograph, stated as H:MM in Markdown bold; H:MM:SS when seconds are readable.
**6:05:43**
